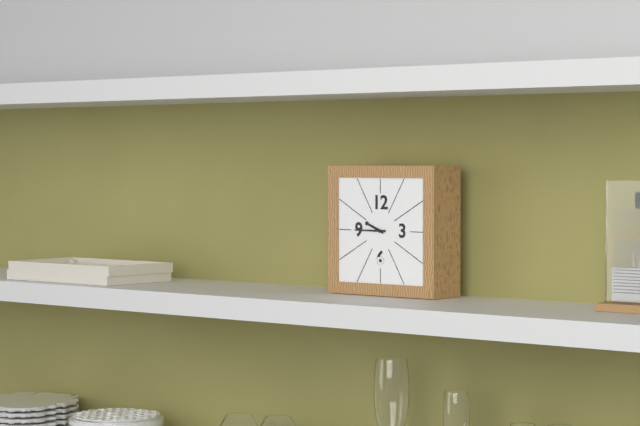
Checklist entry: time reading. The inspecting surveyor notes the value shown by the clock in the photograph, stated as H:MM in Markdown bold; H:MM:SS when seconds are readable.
**9:45**
